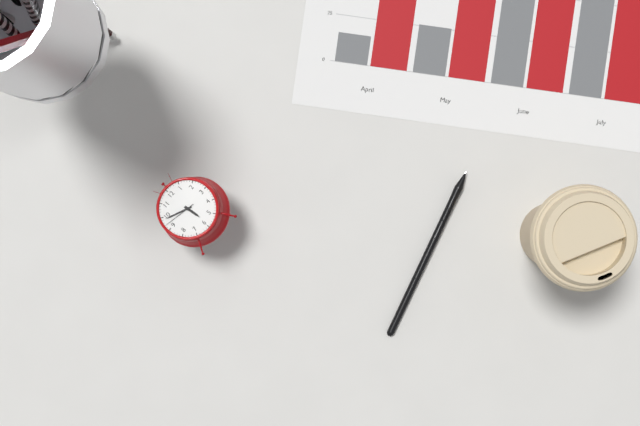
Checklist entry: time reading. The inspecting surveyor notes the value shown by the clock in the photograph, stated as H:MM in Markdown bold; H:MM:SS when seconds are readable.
**5:49**
